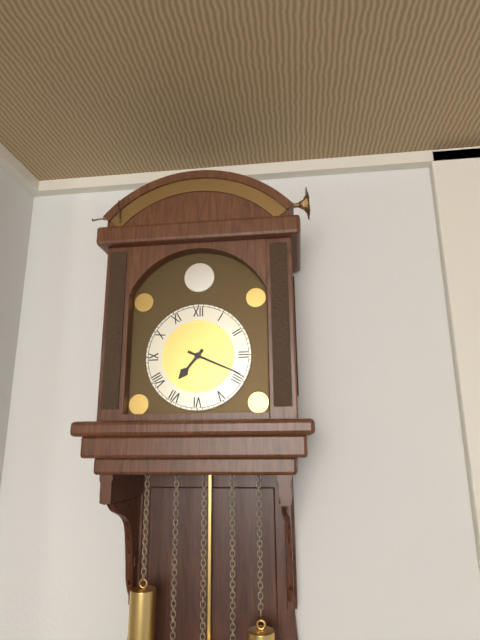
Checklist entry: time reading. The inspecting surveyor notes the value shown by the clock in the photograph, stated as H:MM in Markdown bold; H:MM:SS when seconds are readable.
**7:19**
